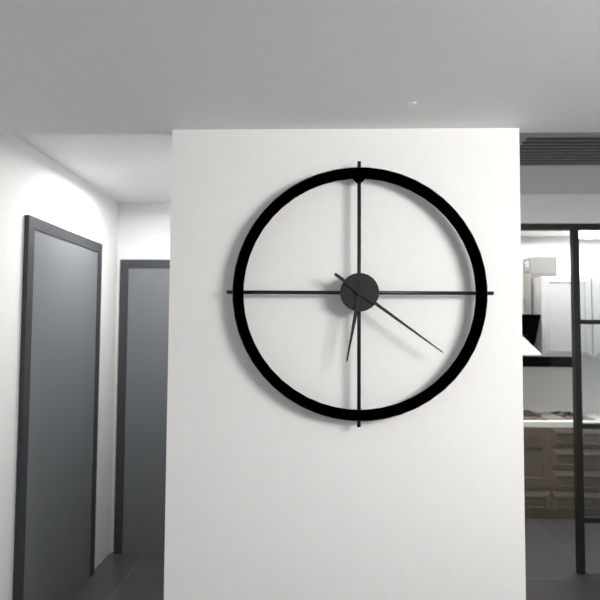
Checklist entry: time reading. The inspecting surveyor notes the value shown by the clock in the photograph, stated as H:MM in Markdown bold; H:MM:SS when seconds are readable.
**6:21**
